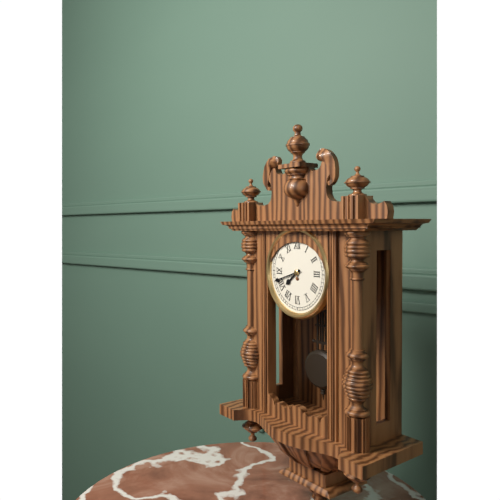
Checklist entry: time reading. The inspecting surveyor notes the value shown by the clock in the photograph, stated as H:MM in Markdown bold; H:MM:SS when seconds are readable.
**7:42**
